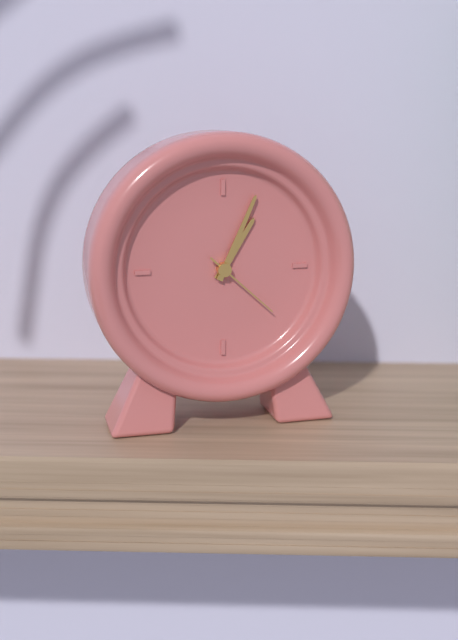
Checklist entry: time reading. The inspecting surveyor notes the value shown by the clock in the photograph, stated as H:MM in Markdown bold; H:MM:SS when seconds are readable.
**1:04:22**
